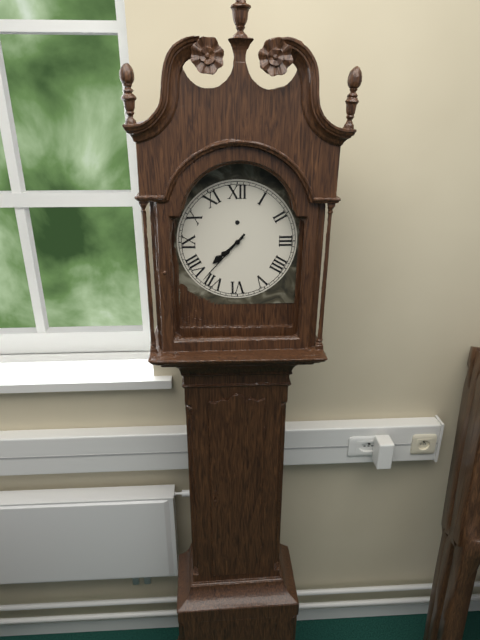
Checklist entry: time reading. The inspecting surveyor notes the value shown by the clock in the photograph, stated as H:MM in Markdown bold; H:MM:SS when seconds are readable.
**7:37**
